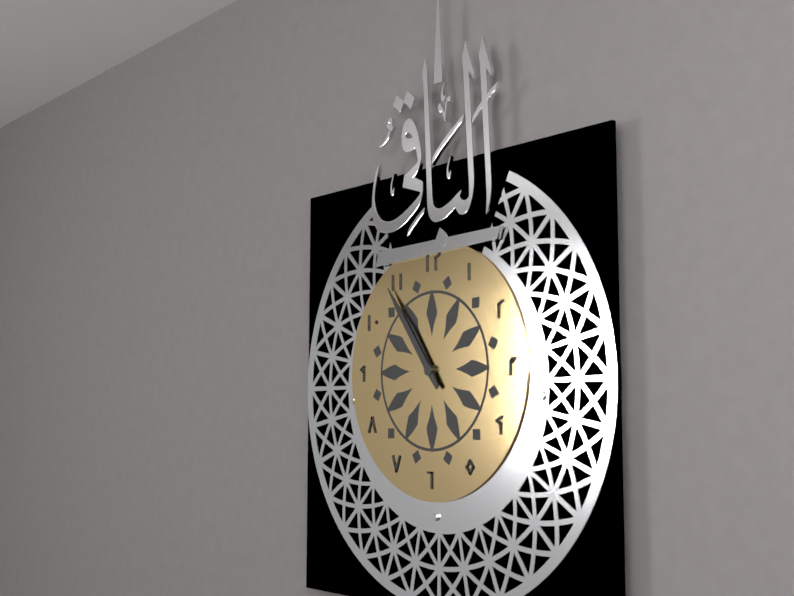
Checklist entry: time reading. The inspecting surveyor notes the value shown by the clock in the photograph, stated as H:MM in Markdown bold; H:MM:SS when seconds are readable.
**10:54**
